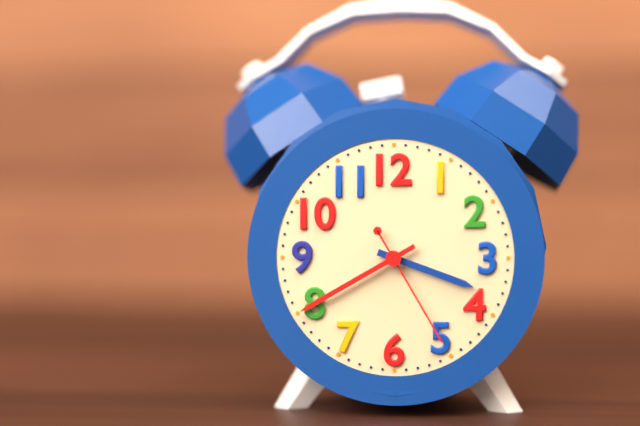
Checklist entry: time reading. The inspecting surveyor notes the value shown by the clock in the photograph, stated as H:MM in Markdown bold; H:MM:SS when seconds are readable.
**3:40:25**
